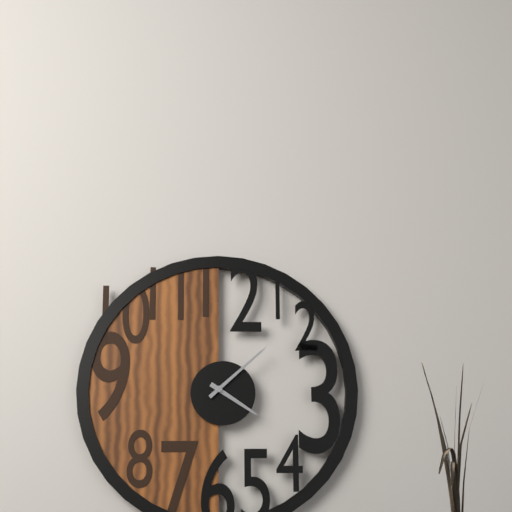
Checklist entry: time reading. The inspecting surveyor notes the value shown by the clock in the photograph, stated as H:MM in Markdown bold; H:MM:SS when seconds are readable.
**4:08**
